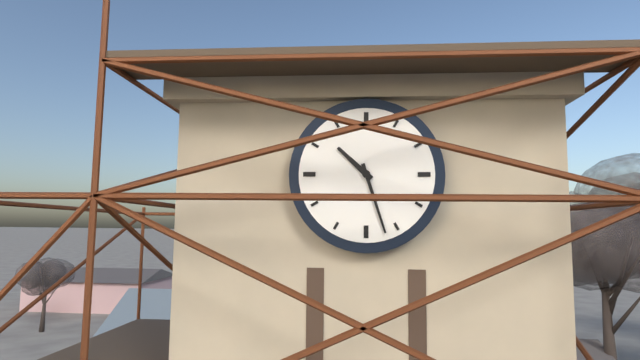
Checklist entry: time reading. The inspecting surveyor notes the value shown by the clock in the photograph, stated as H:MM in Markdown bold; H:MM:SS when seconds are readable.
**10:27**
